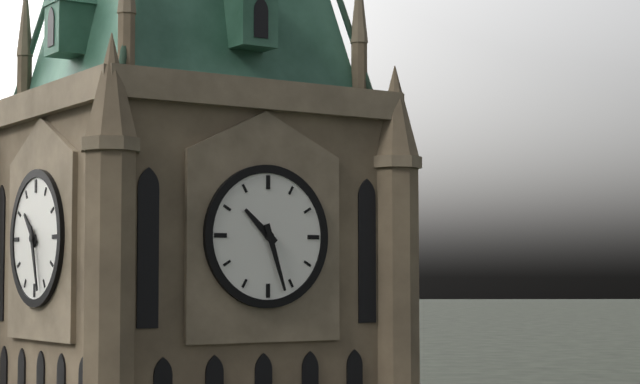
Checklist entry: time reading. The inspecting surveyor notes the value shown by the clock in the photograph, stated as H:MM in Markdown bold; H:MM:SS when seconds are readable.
**10:27**
